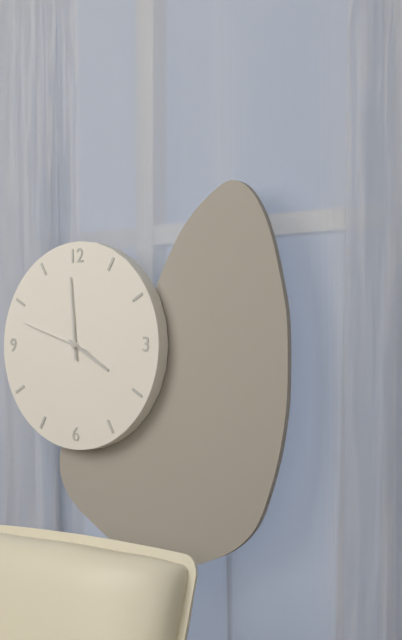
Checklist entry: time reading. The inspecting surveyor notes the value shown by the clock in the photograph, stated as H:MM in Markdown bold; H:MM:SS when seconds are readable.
**3:59:48**
